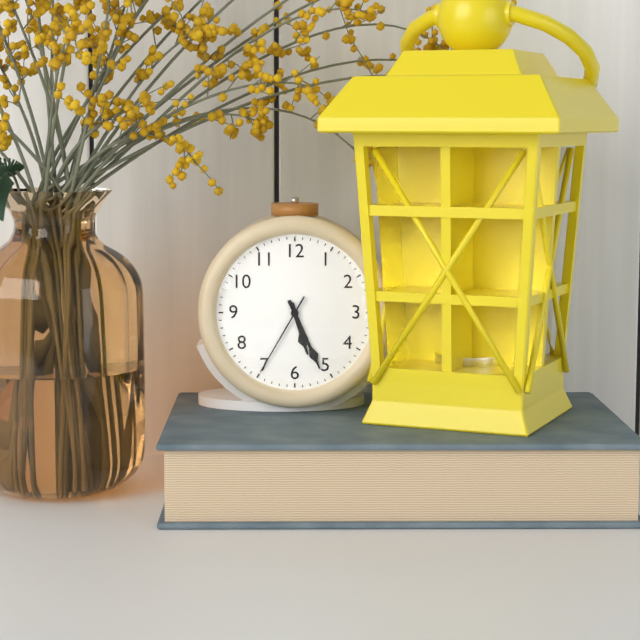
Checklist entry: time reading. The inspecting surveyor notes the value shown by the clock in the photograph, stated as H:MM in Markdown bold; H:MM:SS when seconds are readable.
**5:26:35**
